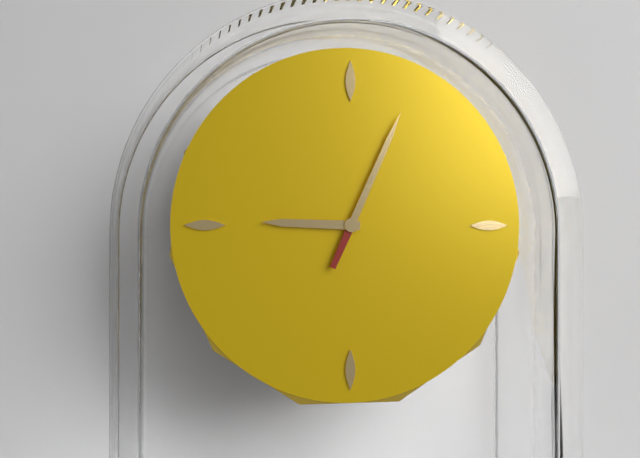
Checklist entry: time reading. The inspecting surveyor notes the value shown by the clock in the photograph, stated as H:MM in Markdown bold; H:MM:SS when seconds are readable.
**9:04**
